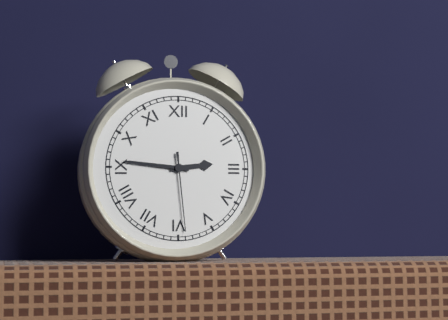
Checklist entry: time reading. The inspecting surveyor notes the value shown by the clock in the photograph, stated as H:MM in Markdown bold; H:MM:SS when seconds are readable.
**2:46:29**
